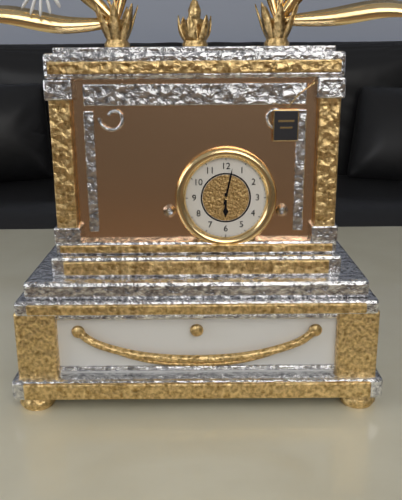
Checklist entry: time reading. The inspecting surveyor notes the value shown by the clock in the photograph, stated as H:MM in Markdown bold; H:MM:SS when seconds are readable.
**6:02**
